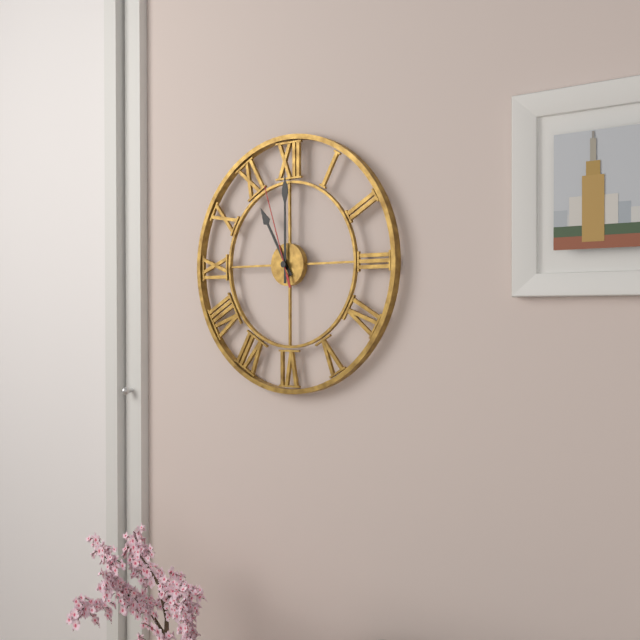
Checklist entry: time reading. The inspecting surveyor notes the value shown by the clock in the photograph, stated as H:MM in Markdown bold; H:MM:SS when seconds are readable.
**11:00:57**
